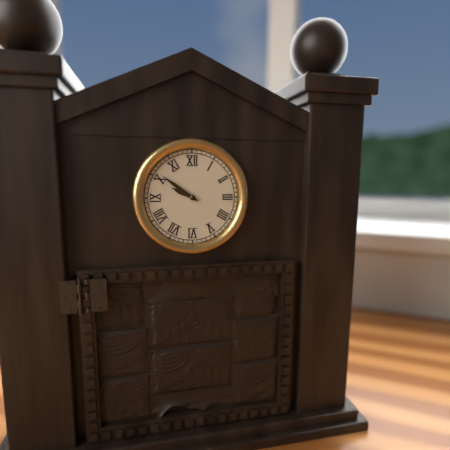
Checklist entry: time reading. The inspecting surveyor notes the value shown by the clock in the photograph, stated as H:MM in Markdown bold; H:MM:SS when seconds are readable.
**9:51**
